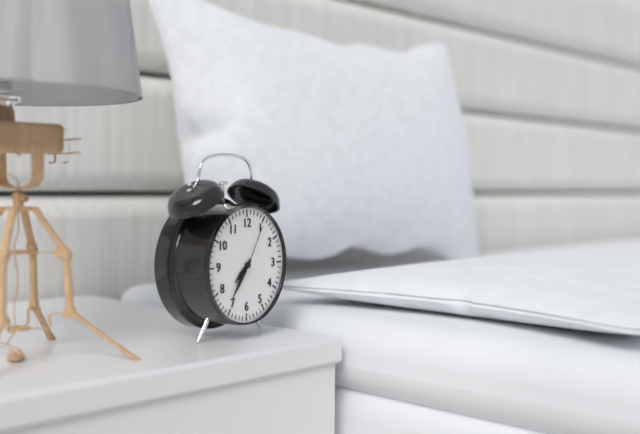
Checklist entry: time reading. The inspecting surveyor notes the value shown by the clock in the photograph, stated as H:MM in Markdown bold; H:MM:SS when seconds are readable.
**7:36:05**
